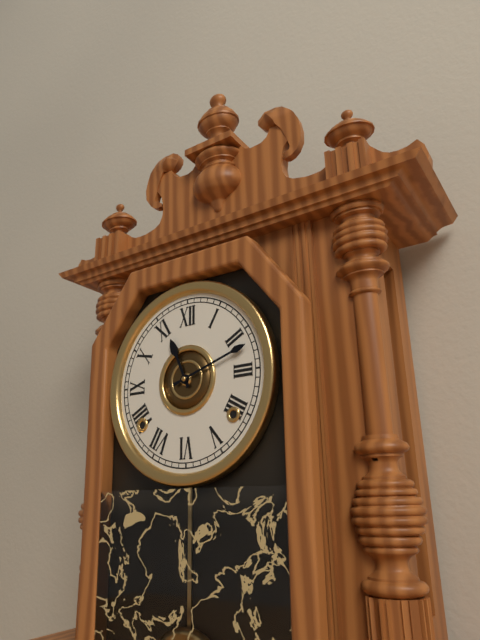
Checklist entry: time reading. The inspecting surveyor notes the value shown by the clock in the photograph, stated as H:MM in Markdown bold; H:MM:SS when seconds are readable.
**11:12**
